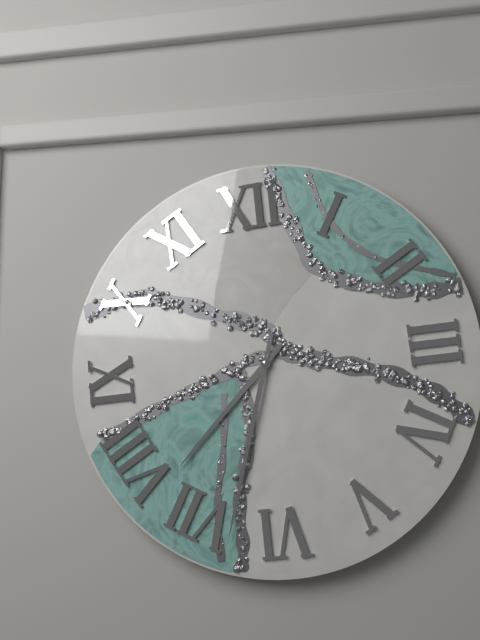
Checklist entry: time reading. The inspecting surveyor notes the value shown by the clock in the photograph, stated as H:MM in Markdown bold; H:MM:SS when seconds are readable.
**7:33**
